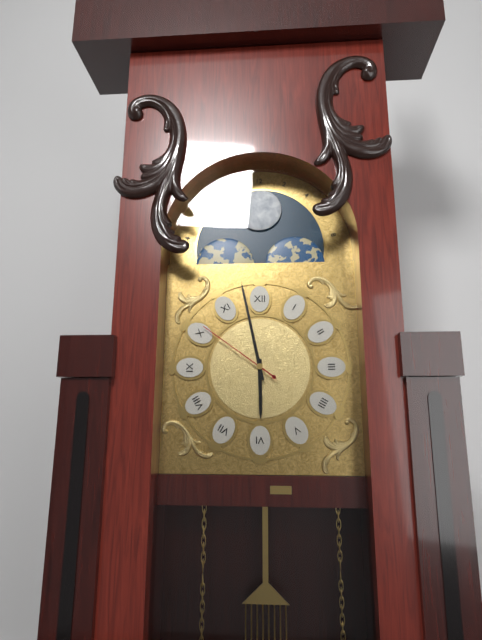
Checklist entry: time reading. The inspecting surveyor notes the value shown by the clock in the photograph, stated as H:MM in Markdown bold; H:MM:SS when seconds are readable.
**5:58:51**
